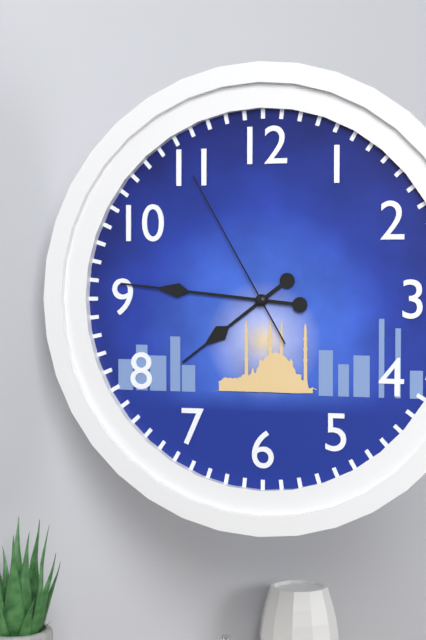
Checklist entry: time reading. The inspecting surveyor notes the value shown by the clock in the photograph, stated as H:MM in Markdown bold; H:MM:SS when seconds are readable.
**7:46:55**
